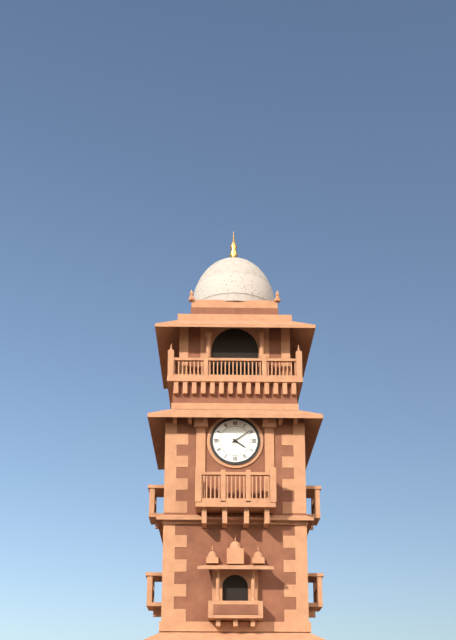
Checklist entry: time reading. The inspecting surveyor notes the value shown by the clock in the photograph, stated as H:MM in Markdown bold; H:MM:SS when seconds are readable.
**4:09**
